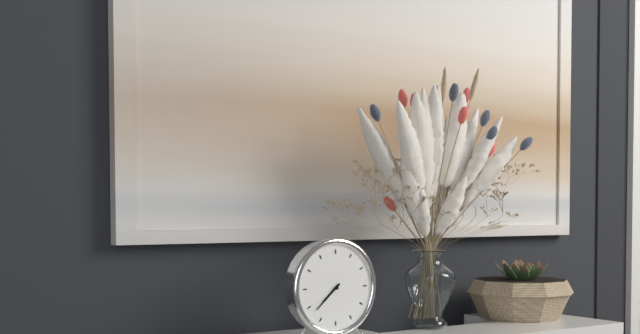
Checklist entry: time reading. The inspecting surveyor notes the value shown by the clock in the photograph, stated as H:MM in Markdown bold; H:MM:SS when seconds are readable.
**7:38**
